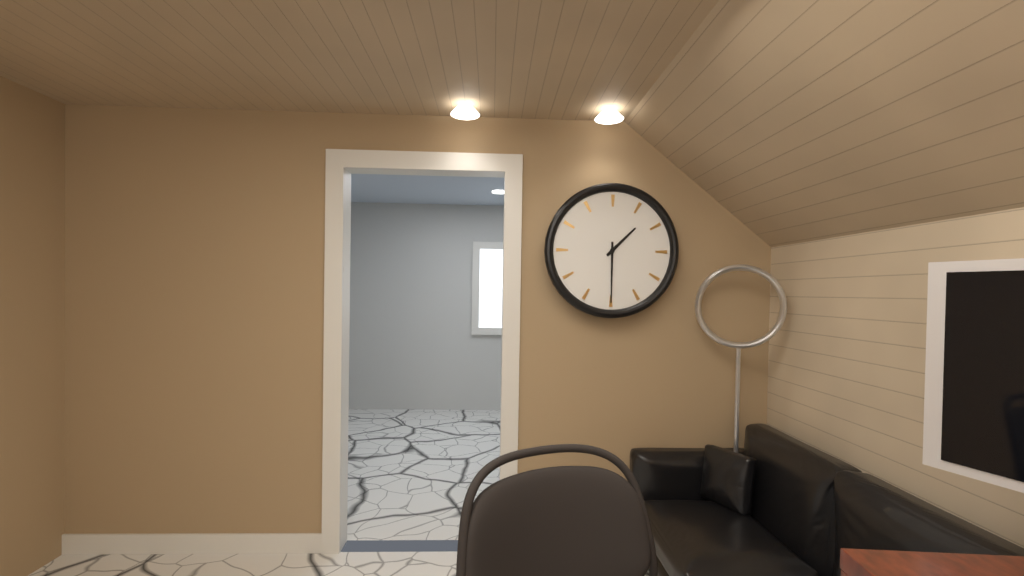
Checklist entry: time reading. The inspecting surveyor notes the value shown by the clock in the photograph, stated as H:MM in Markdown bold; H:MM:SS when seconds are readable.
**1:30**
